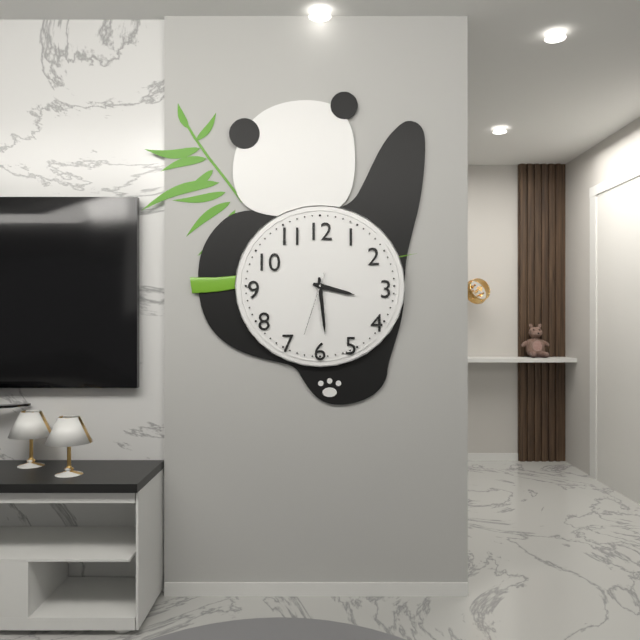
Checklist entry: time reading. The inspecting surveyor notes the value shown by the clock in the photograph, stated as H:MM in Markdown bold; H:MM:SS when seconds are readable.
**3:29:33**
